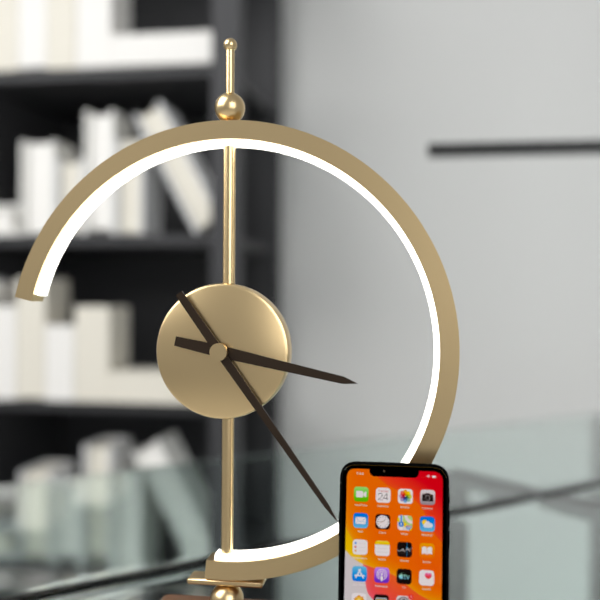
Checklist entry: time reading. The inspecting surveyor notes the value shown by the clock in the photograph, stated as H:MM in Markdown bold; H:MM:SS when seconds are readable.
**3:24**
